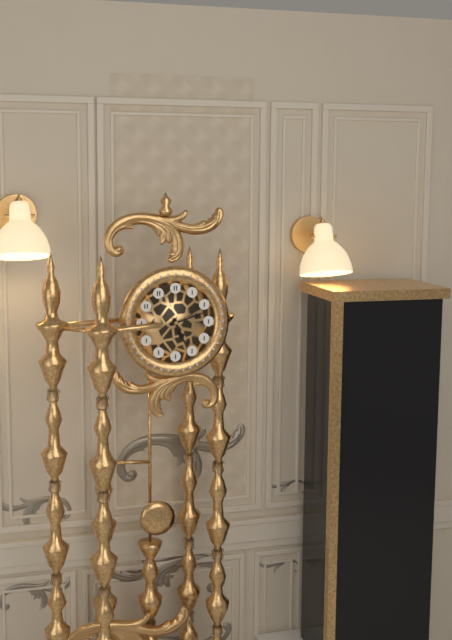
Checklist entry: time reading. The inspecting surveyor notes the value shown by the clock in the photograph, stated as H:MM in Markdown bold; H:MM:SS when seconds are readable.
**5:12**
